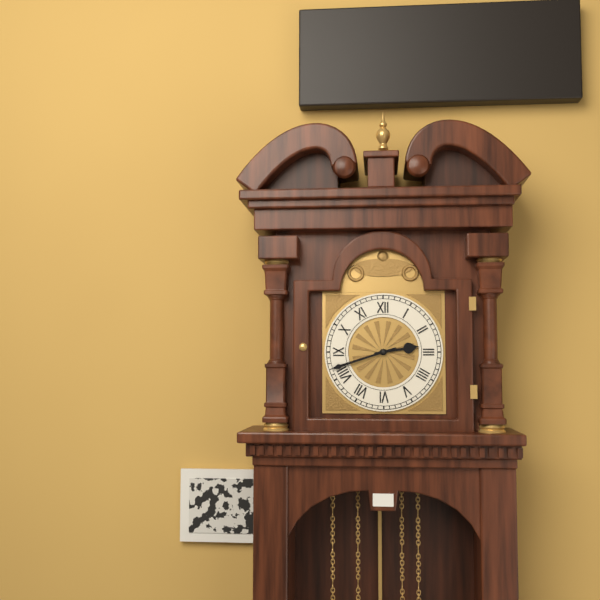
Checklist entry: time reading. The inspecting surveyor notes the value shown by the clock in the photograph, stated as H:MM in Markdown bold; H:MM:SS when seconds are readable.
**2:42**
